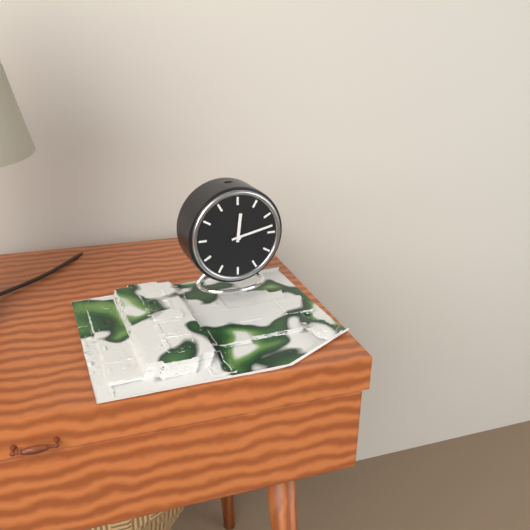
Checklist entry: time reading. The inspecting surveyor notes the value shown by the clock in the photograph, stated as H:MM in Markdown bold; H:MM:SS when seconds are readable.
**12:13**
